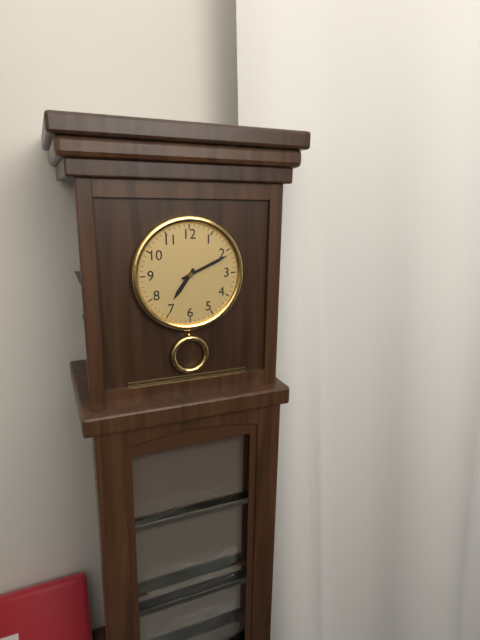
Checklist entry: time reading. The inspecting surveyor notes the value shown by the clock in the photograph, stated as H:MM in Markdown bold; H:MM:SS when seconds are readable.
**7:11**
